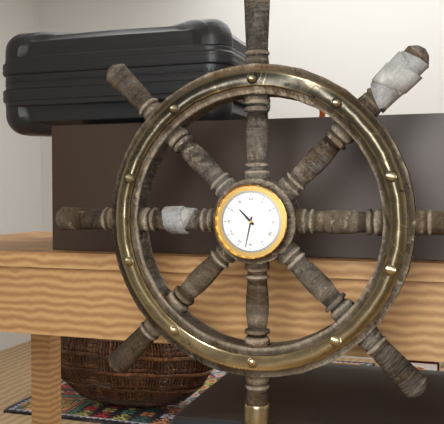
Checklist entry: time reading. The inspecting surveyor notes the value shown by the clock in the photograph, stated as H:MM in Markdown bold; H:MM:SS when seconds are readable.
**10:32**
